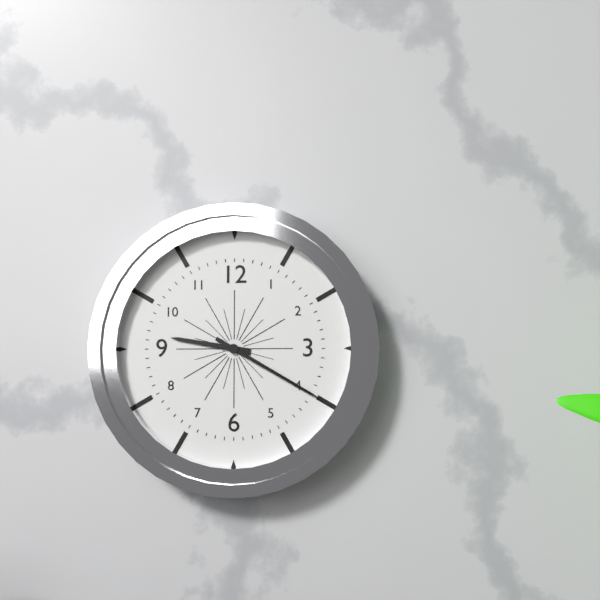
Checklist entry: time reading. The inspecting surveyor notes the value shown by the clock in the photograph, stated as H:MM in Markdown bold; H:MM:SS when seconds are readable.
**9:20**
